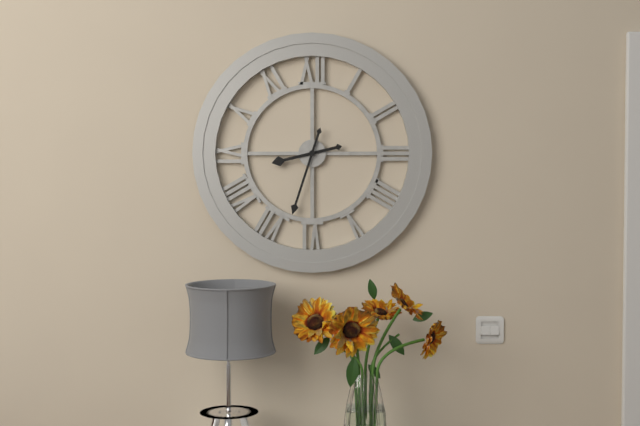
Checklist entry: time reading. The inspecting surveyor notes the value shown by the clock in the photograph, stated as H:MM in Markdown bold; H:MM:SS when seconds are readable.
**8:33**
